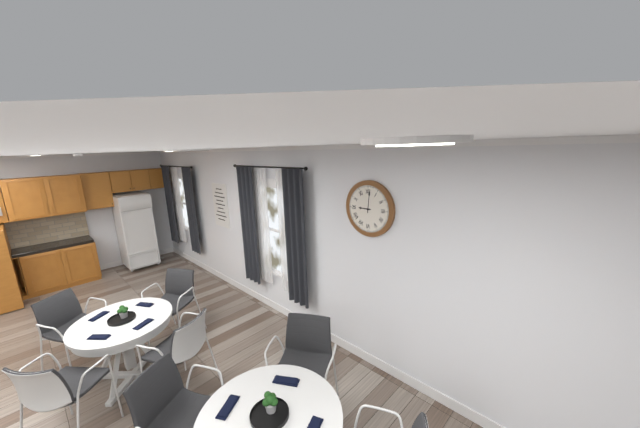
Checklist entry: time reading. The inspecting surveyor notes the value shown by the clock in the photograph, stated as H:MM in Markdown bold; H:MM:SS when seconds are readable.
**9:01**
